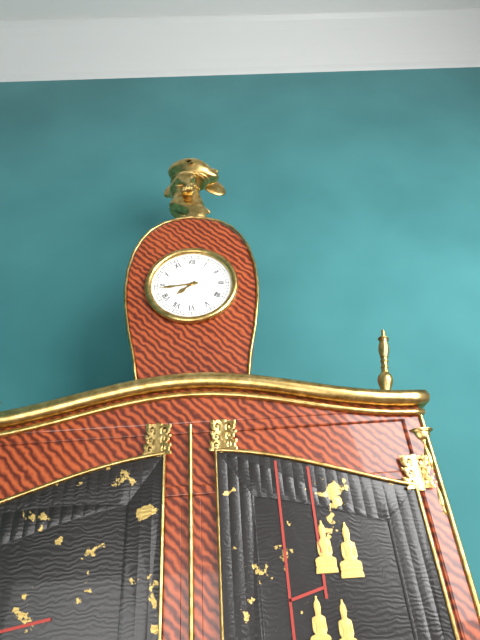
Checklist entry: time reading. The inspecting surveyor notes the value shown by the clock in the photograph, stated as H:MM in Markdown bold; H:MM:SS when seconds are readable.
**7:44**
